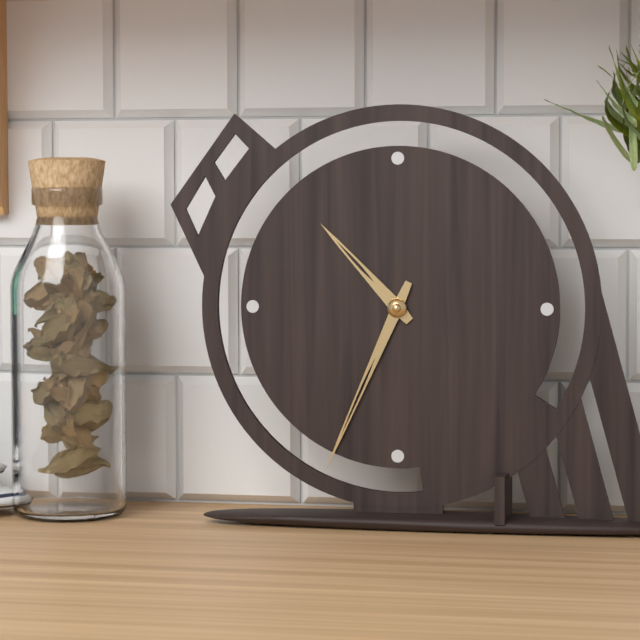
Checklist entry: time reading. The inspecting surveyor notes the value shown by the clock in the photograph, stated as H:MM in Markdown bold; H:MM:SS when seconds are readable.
**10:34**
